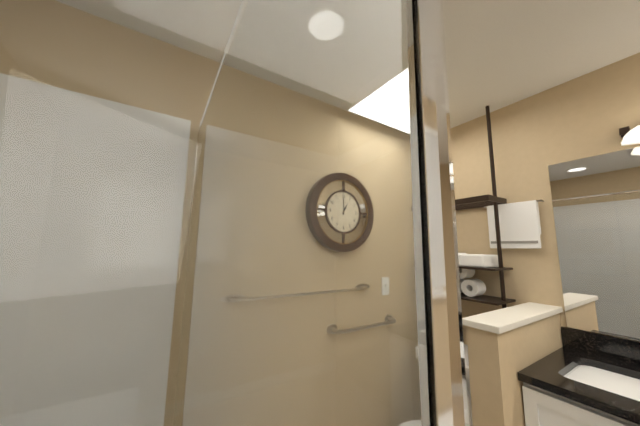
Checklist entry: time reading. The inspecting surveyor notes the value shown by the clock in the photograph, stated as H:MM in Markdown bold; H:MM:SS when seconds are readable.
**1:00**
